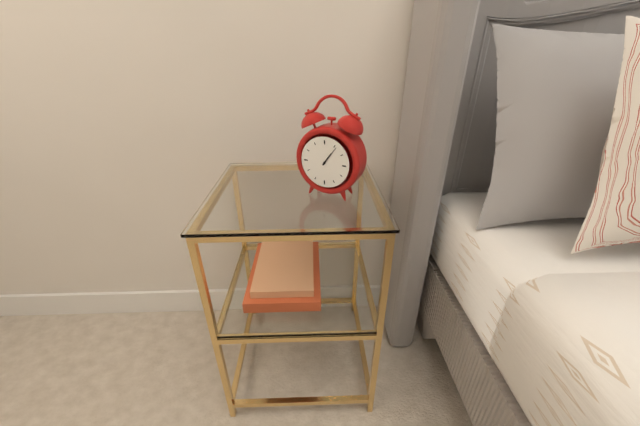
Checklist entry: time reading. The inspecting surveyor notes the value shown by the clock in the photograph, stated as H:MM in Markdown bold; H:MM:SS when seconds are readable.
**1:06**
